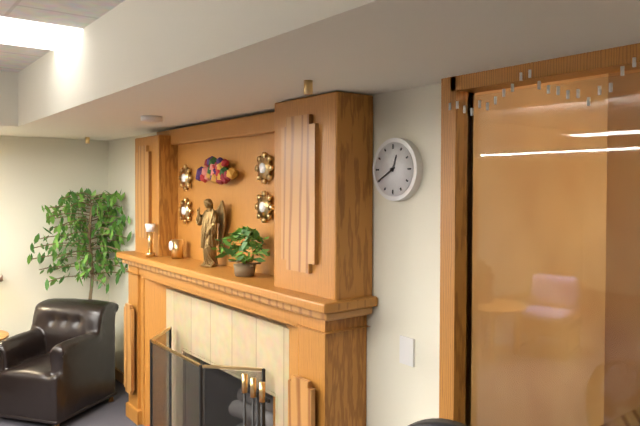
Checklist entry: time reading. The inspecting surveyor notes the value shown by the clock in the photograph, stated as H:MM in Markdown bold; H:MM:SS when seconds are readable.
**12:40**
